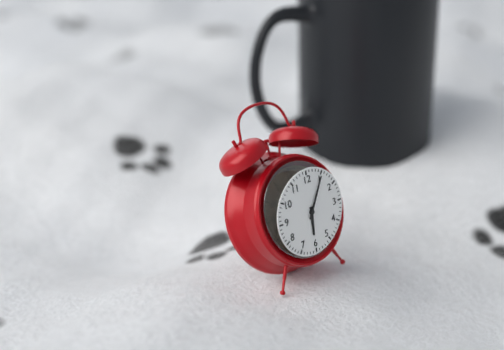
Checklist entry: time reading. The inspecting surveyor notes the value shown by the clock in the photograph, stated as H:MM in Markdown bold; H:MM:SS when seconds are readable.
**6:05**
